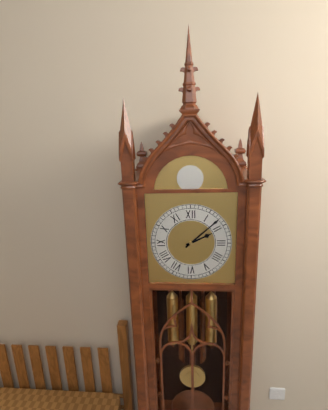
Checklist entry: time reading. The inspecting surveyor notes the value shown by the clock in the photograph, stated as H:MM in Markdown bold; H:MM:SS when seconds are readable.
**2:08**
